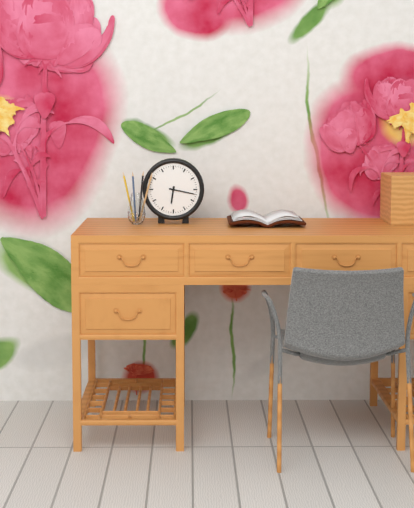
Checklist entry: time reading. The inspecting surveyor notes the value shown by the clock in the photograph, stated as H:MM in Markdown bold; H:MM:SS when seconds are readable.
**6:17**
